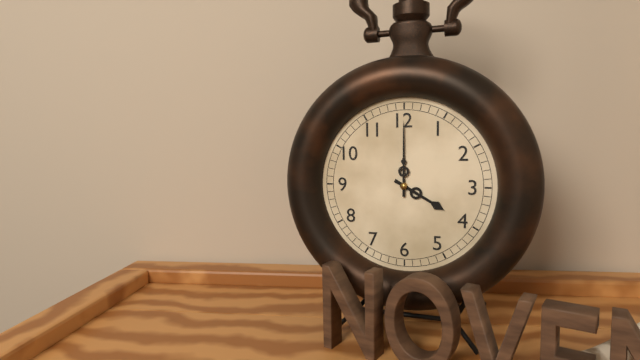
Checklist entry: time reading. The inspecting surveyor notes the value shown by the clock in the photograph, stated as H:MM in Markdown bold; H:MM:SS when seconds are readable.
**4:00**
